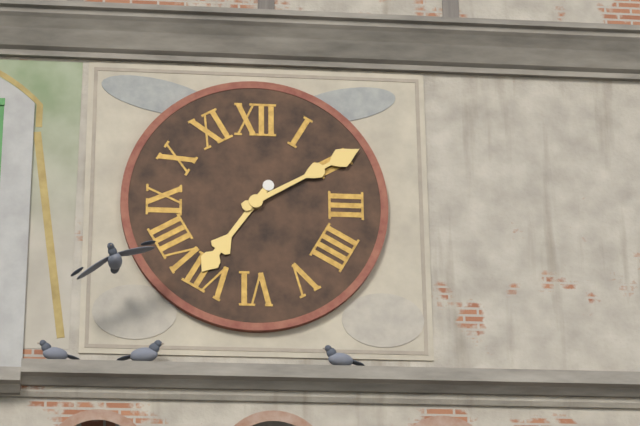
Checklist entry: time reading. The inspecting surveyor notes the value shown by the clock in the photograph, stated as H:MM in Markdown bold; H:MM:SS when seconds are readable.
**7:10**
